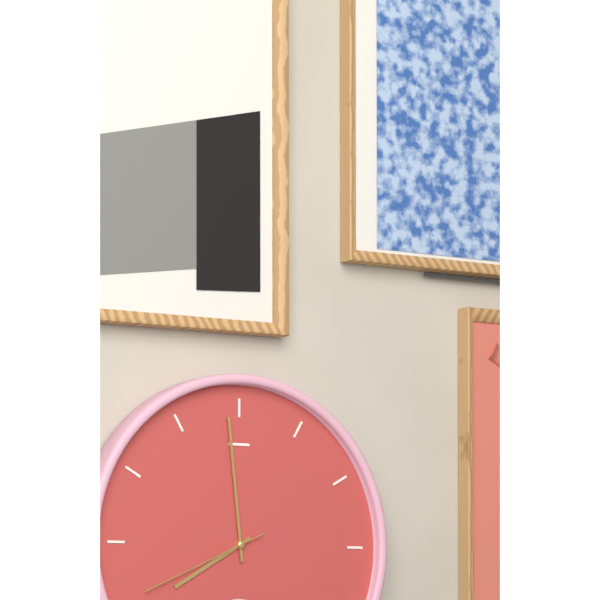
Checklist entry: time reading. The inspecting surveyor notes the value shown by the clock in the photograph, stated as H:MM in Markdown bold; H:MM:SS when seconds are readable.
**7:59:41**
